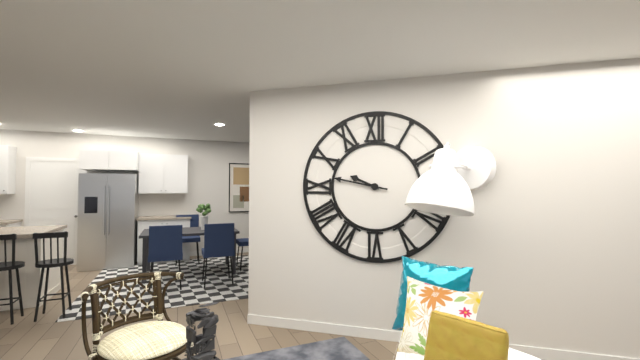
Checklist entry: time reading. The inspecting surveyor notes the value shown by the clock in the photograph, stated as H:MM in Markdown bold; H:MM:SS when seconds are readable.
**9:47**
